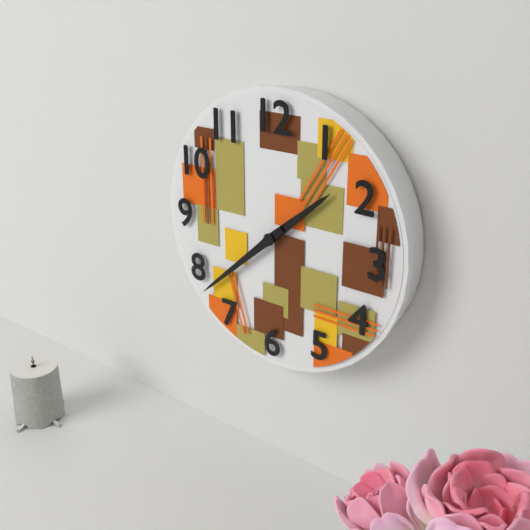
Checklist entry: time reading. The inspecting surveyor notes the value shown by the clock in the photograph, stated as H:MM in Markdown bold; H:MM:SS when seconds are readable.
**1:38**
